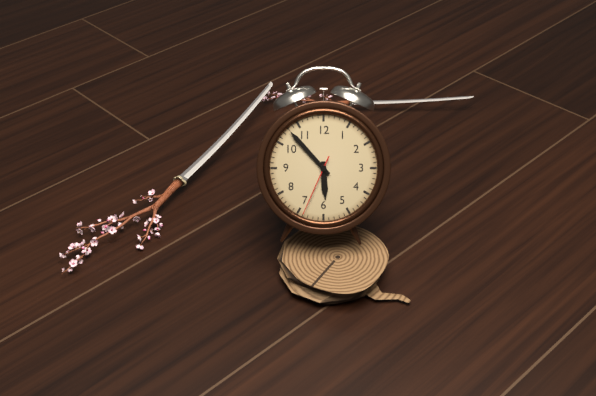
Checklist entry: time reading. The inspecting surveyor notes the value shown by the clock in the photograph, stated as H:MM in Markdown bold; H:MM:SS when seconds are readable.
**5:53:34**
